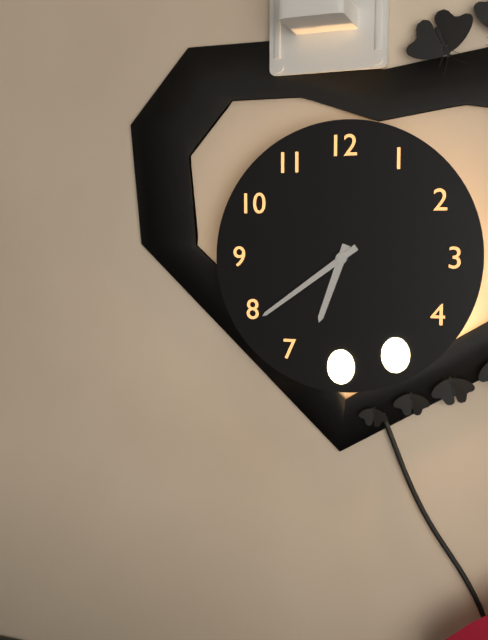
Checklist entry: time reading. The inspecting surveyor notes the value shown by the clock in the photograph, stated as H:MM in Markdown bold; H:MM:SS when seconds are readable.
**6:39**
